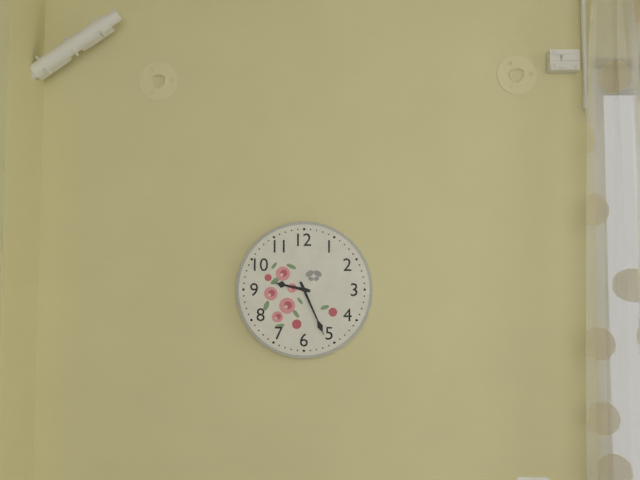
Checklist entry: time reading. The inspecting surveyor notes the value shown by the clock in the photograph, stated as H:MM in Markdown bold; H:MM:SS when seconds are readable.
**9:26**
